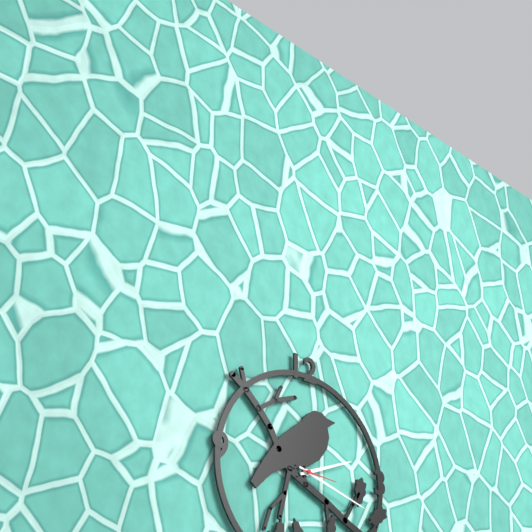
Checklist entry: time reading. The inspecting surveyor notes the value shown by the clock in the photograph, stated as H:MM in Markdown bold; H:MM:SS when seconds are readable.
**2:18**
